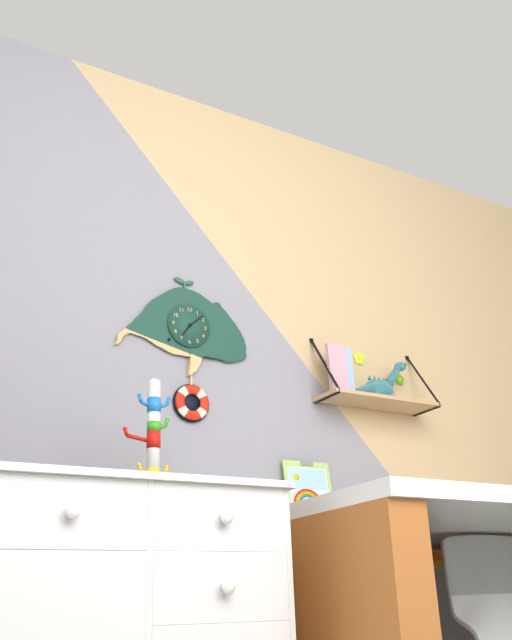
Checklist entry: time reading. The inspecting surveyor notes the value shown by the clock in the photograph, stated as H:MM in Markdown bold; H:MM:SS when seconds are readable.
**7:08**
